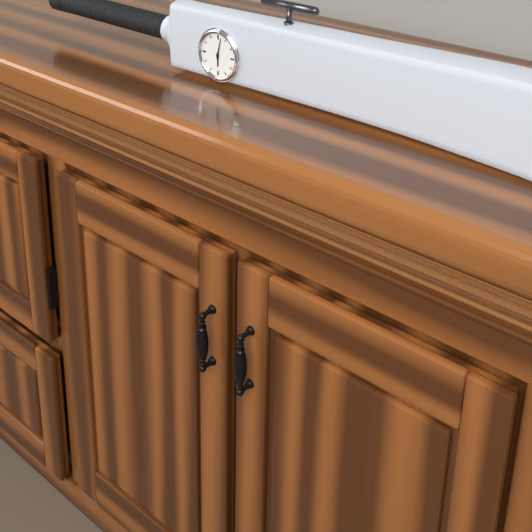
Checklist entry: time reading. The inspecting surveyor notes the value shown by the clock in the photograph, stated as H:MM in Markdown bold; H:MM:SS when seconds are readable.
**6:02**
